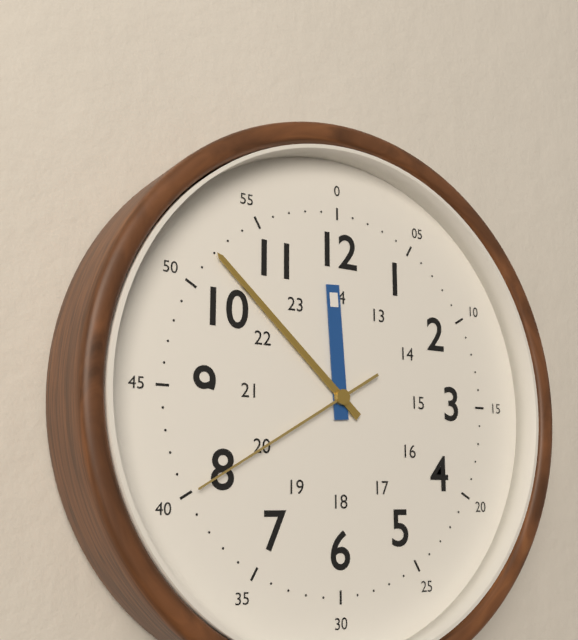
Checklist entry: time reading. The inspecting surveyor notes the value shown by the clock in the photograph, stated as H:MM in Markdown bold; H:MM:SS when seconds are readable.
**11:52:40**
